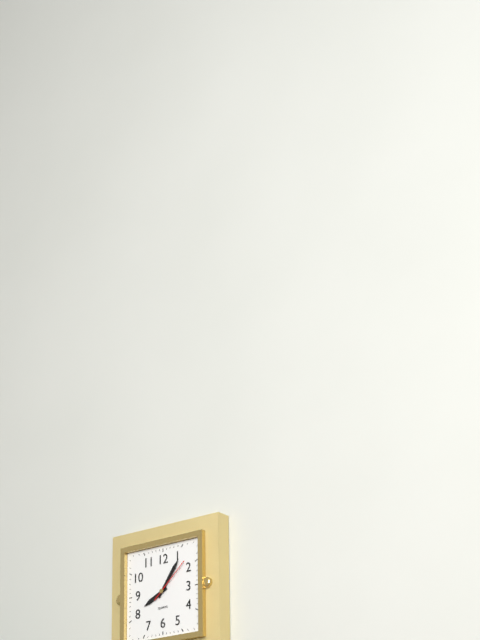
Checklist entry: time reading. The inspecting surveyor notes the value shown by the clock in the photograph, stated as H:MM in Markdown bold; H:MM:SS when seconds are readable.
**8:06**
